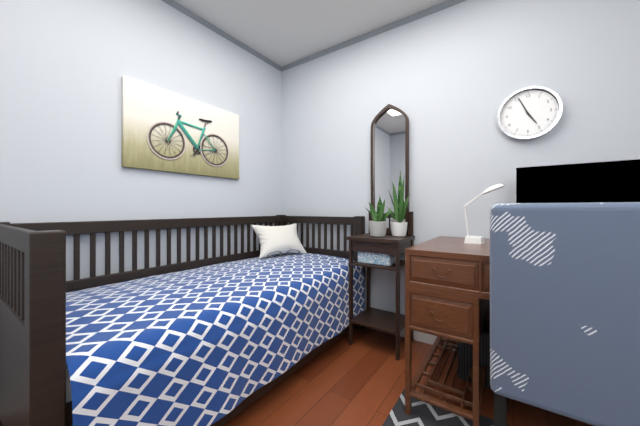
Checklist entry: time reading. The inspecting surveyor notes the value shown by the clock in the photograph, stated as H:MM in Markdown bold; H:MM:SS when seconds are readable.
**4:56**
